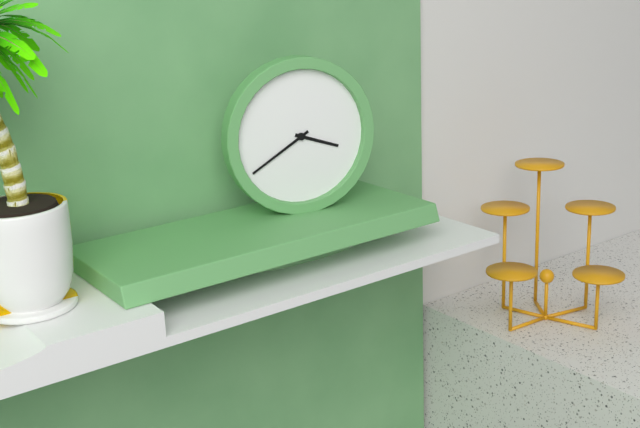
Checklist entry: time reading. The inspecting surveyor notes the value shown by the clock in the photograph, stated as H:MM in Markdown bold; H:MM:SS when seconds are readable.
**3:40**
